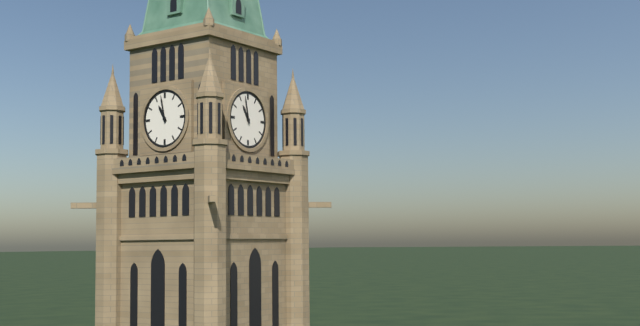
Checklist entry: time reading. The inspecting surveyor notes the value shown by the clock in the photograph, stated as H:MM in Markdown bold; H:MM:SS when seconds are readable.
**10:58**
